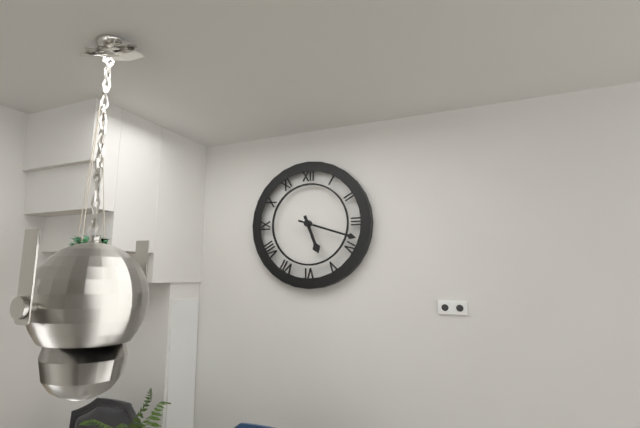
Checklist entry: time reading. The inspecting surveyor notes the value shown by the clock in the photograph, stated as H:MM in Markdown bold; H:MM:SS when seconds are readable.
**5:18**
